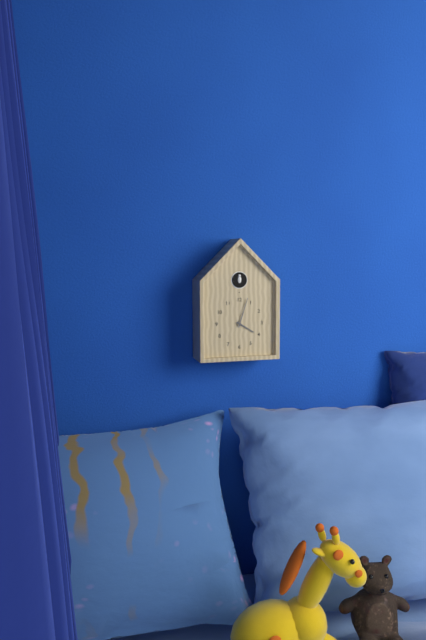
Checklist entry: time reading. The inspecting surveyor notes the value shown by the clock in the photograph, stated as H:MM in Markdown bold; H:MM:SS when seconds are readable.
**4:03**
